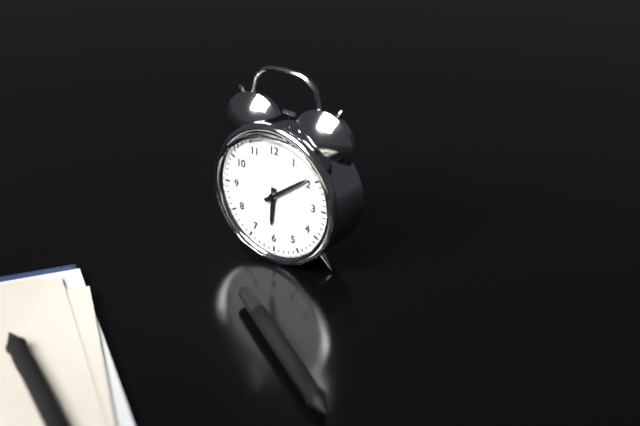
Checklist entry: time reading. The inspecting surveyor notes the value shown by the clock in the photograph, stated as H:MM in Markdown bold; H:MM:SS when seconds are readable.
**6:09**
